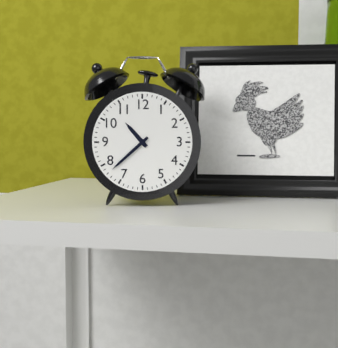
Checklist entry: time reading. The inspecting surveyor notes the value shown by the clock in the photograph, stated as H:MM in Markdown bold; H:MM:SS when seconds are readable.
**10:38**
